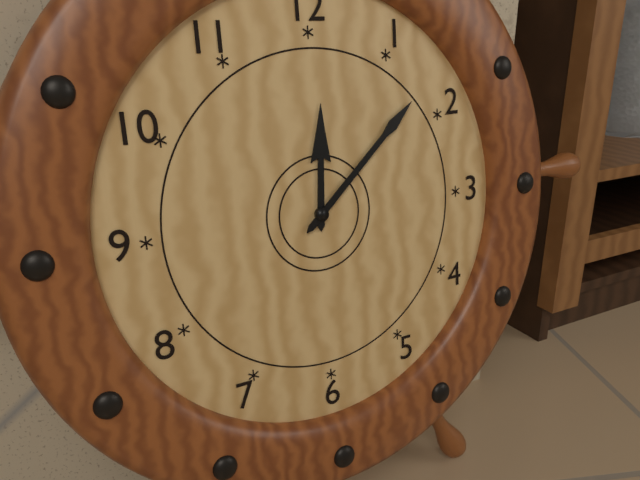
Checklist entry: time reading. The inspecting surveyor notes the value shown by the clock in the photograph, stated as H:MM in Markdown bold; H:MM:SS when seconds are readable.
**12:08**
